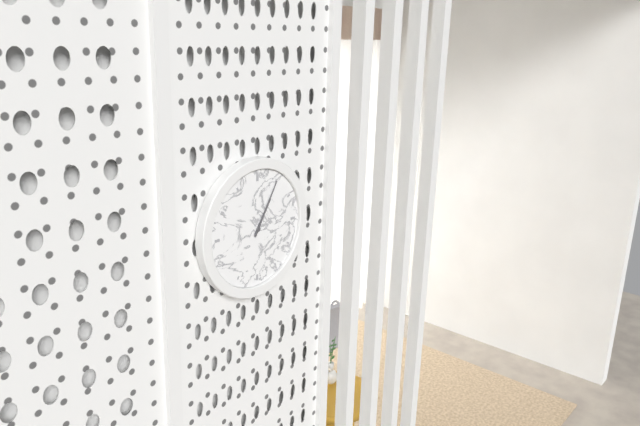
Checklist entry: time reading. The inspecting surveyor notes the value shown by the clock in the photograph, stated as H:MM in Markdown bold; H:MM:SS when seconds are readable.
**1:05**
